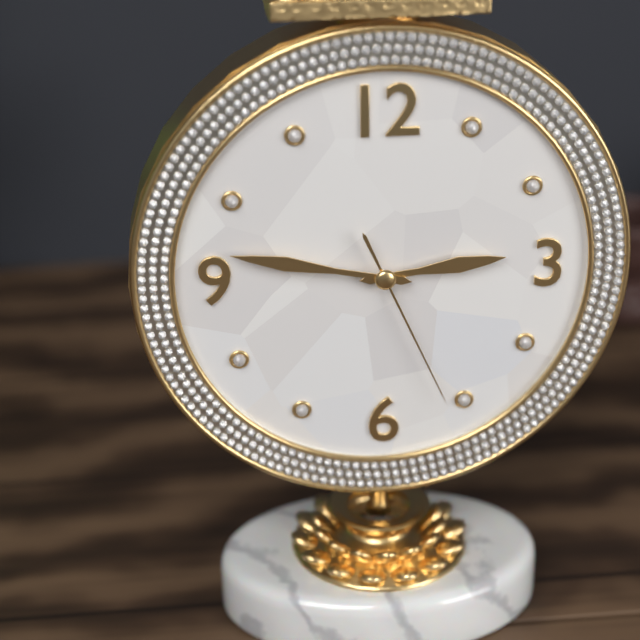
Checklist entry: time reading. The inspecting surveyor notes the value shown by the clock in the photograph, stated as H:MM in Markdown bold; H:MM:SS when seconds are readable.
**2:47:26**
